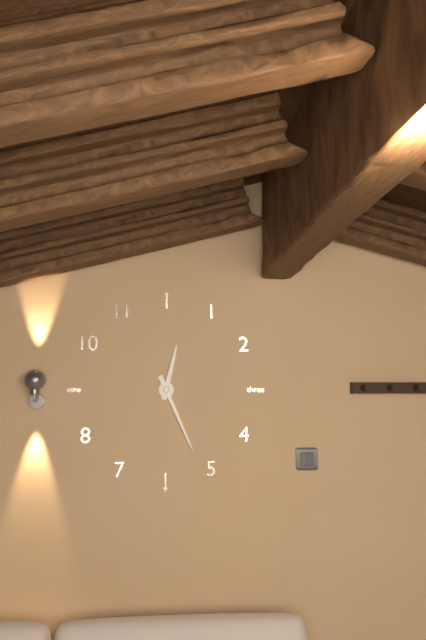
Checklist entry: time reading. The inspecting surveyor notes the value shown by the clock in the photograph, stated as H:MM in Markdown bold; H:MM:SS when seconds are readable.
**12:26**
